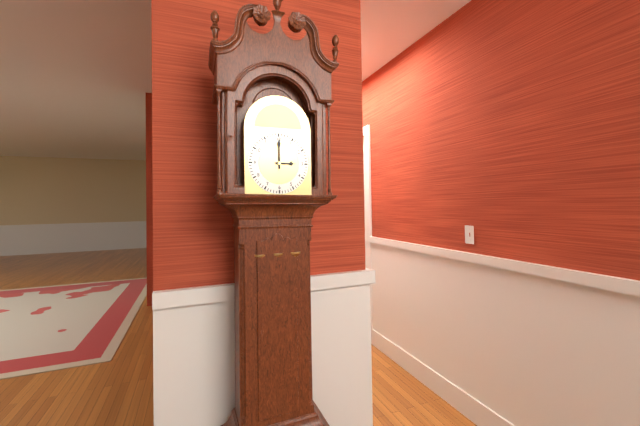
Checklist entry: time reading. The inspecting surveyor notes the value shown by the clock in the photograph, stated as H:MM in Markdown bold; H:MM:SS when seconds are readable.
**3:00**
